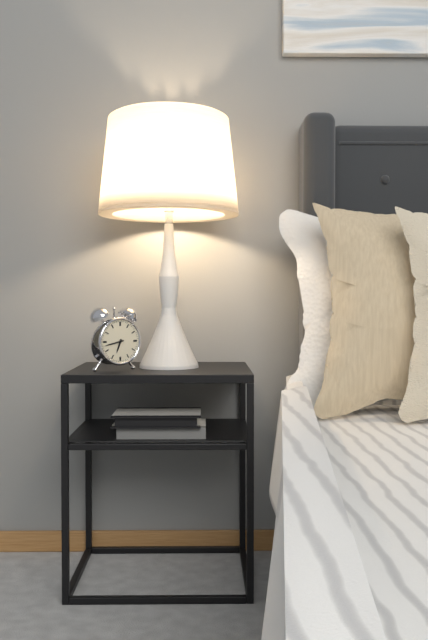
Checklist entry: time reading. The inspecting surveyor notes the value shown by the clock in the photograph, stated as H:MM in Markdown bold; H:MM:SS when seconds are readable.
**6:43**
